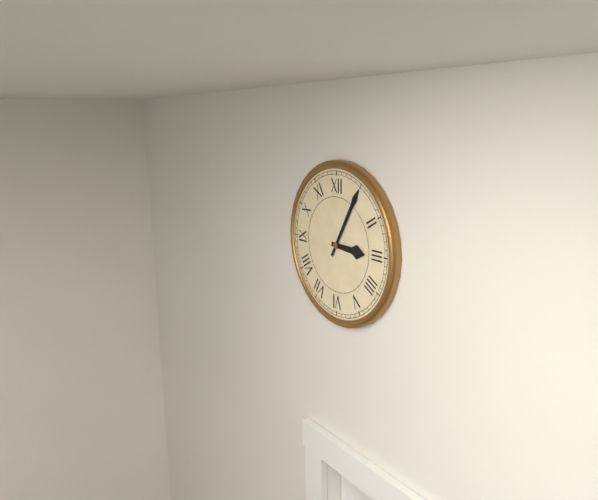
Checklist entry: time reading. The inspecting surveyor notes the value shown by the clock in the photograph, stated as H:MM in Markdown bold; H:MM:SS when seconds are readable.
**3:05**
